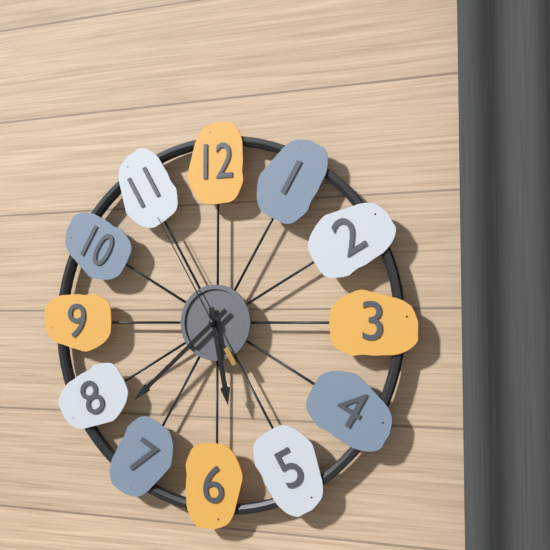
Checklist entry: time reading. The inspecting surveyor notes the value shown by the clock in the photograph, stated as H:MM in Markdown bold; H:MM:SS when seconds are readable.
**5:38:55**
